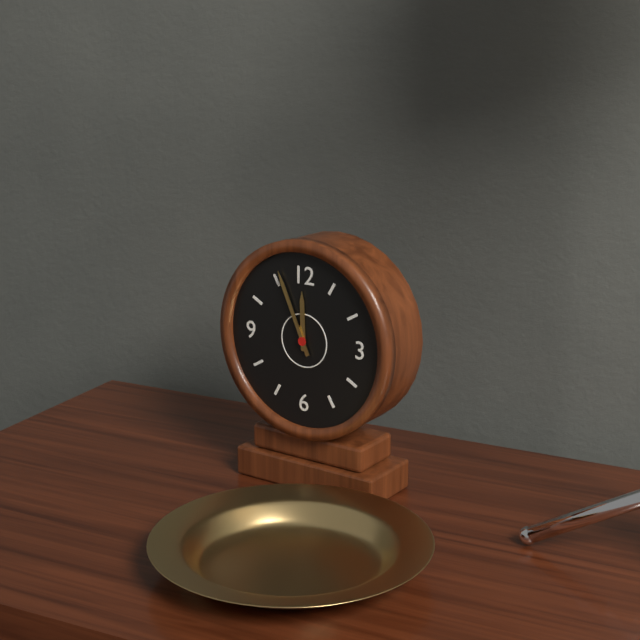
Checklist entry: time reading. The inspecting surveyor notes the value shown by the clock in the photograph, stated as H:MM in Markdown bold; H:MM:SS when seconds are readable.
**11:56**
